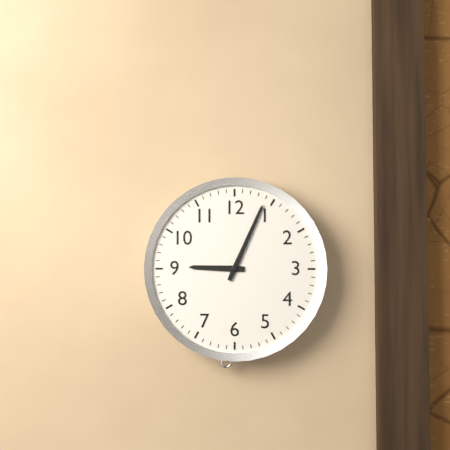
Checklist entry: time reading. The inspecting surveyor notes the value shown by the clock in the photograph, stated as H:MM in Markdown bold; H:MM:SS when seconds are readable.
**9:04**
